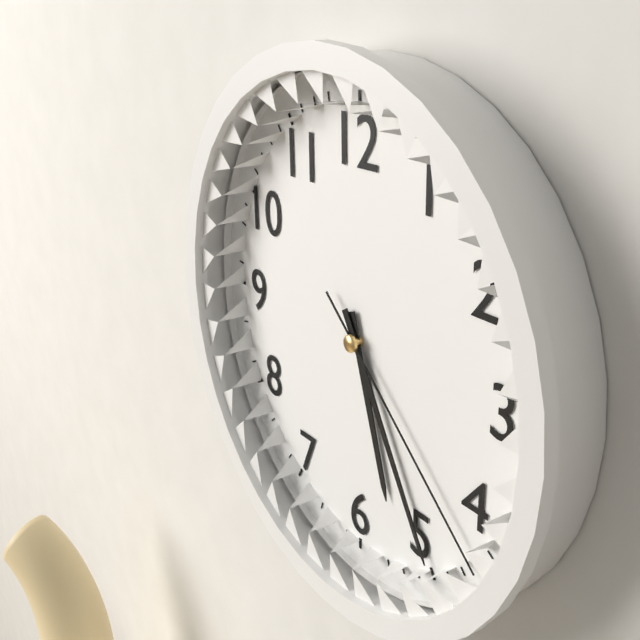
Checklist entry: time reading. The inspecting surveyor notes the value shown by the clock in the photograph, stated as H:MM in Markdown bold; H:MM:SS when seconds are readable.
**5:25:22**
